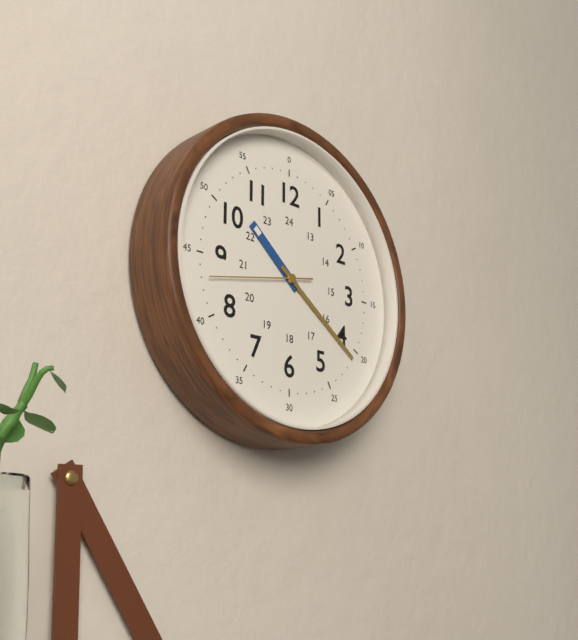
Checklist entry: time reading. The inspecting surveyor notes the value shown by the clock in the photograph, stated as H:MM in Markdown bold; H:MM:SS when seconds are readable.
**10:21:43**
